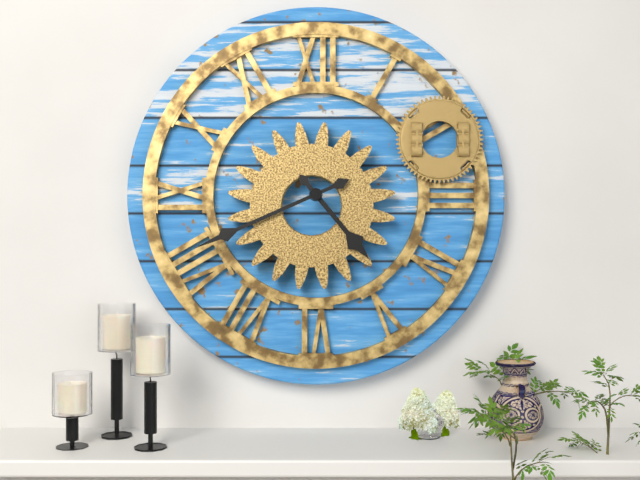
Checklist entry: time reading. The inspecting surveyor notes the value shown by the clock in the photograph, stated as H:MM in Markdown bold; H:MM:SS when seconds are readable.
**4:41**
